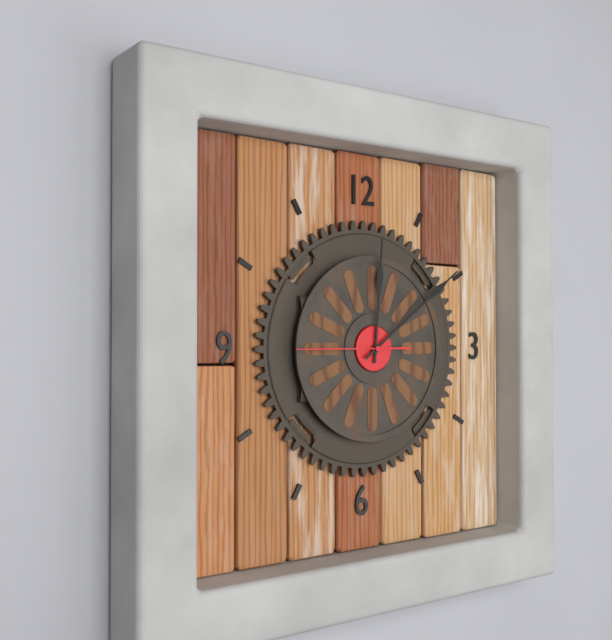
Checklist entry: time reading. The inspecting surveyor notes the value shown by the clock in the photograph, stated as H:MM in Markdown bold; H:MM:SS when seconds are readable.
**12:09:45**
